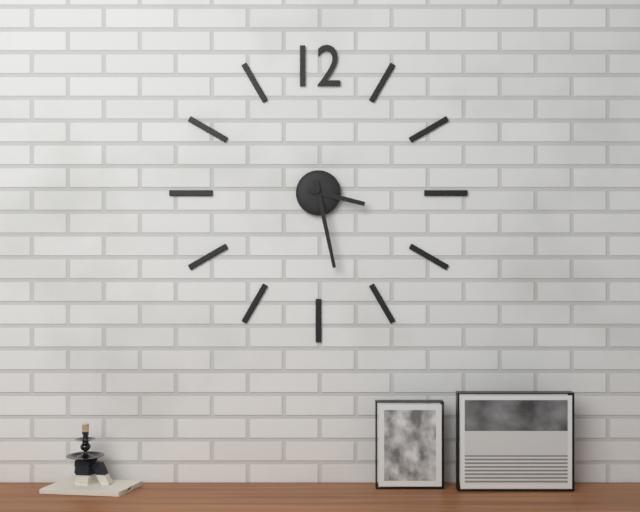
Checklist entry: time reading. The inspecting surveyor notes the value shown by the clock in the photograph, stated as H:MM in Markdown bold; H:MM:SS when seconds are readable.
**3:28**
